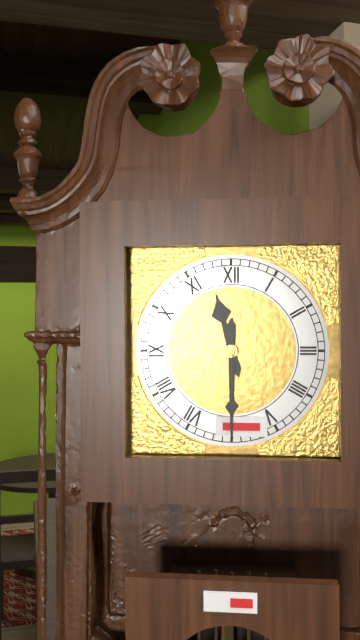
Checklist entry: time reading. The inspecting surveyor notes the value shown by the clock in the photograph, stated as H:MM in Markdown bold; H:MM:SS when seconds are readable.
**11:30**
